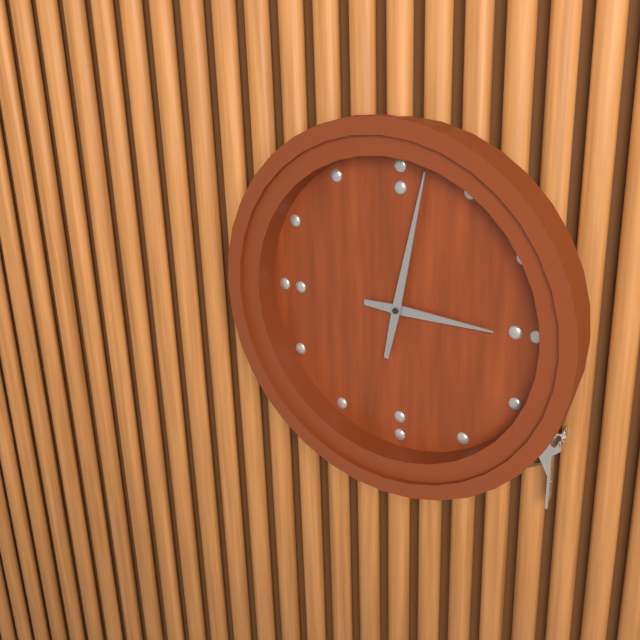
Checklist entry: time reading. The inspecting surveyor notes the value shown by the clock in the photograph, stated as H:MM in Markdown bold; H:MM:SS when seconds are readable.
**3:02**
